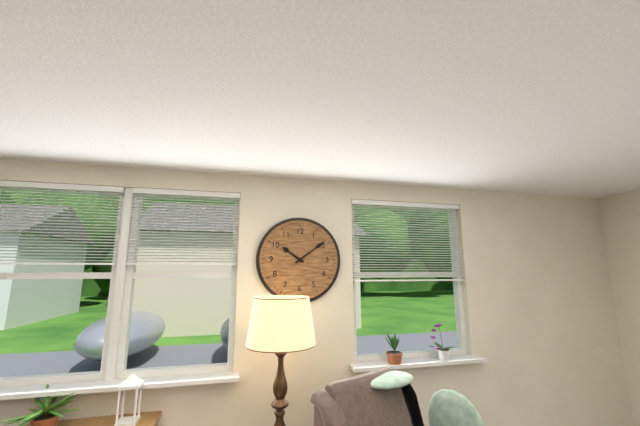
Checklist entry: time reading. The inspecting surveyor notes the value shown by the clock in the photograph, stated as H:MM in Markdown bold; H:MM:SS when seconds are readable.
**10:09**
